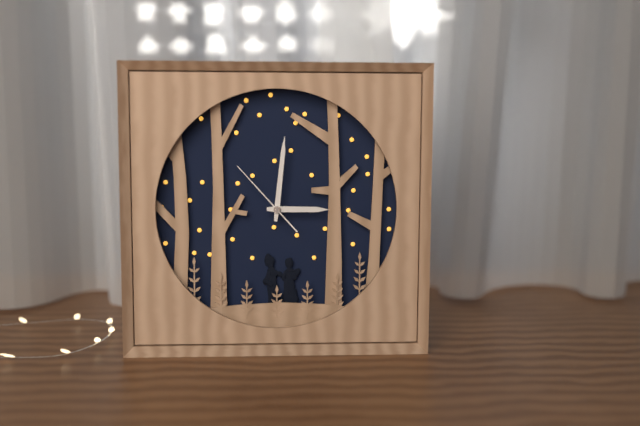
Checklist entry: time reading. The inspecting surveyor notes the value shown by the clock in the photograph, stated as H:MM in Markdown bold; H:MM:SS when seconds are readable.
**3:01:53**
